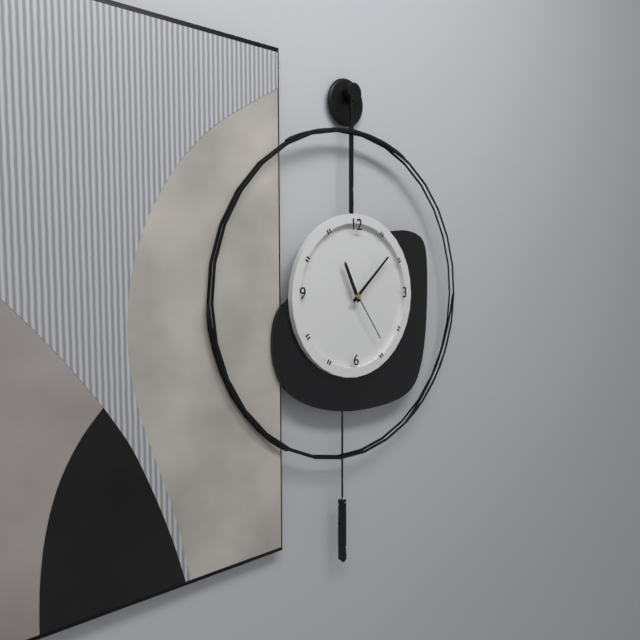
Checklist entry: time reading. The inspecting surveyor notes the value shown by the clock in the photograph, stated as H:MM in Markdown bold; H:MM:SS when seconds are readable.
**11:08:24**
